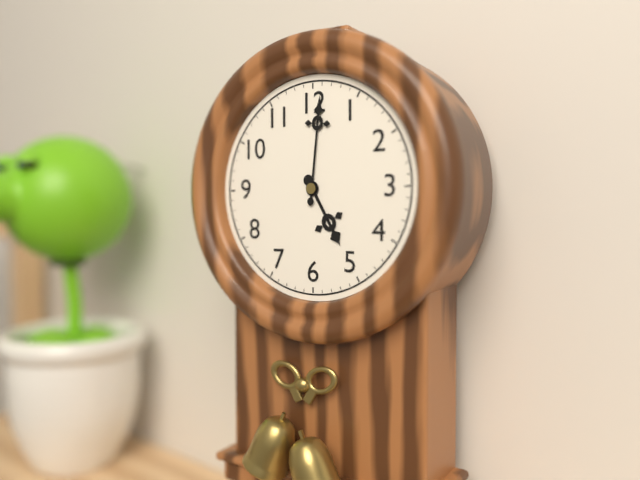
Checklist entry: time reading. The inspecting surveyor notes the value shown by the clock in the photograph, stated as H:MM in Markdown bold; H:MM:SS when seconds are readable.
**5:01**
